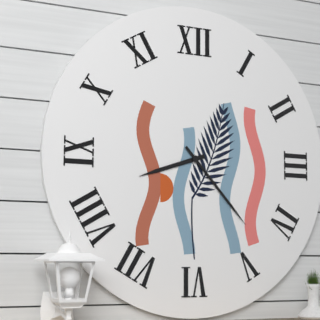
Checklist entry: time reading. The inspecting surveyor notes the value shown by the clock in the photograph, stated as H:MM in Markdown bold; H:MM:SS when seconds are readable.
**8:23**
